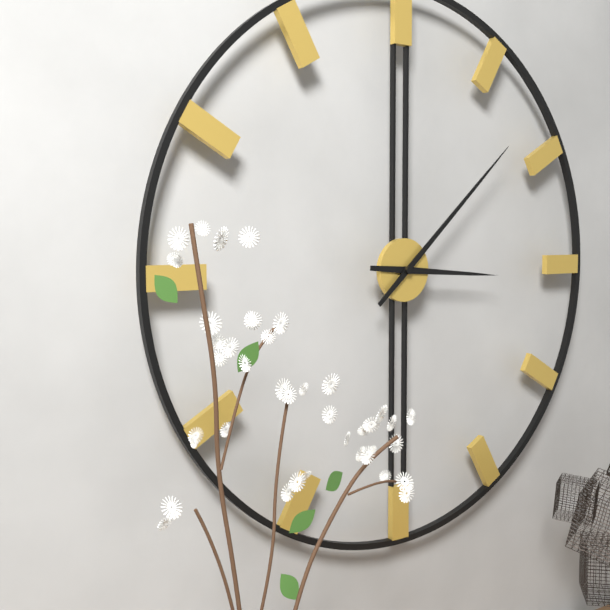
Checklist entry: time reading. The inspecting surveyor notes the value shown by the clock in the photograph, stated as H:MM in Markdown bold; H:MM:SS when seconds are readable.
**3:08**
